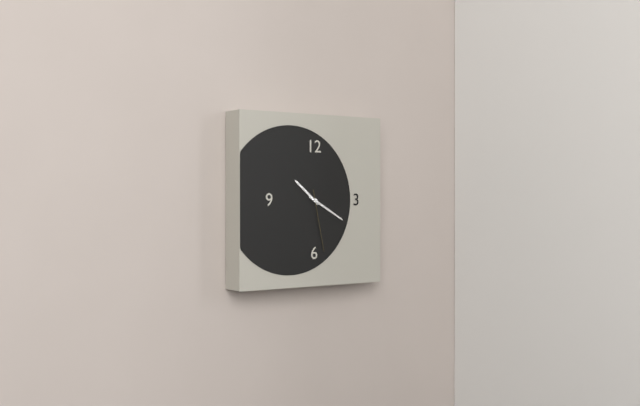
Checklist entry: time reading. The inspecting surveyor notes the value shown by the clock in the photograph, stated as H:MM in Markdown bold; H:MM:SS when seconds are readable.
**10:20:28**
